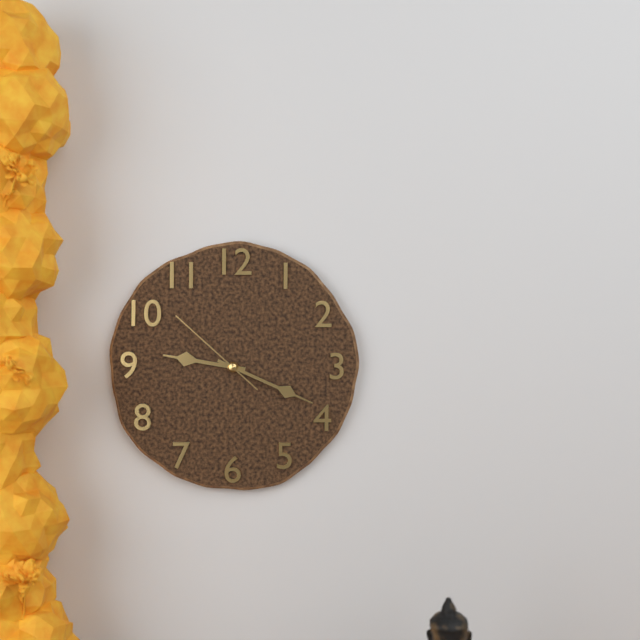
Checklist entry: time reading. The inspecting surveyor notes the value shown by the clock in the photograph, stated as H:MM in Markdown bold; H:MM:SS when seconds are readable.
**9:19:52**
